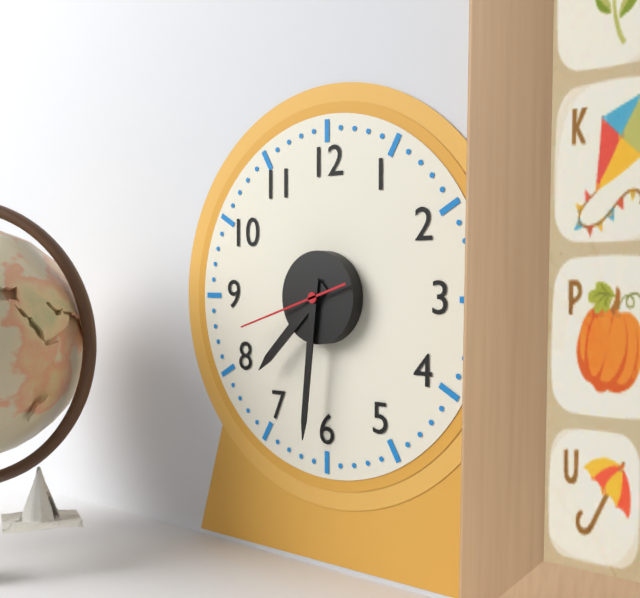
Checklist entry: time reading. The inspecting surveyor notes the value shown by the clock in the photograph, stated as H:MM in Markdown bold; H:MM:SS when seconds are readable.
**7:31:42**
